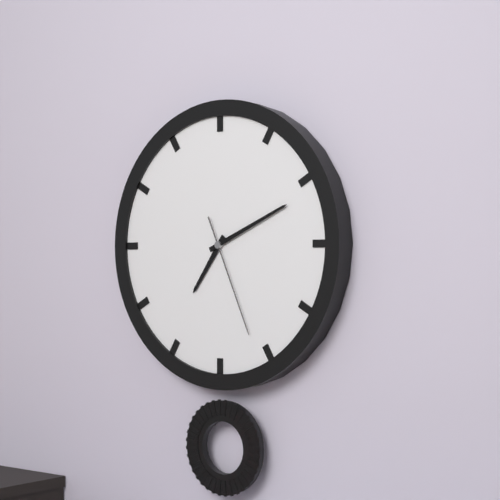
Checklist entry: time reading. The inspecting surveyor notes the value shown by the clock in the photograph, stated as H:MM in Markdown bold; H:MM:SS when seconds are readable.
**7:11:26**
